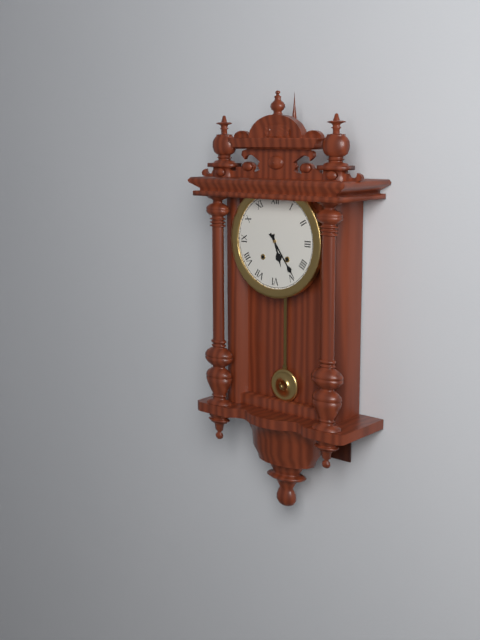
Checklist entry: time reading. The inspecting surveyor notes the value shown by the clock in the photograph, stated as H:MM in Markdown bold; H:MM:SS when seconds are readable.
**5:24**
